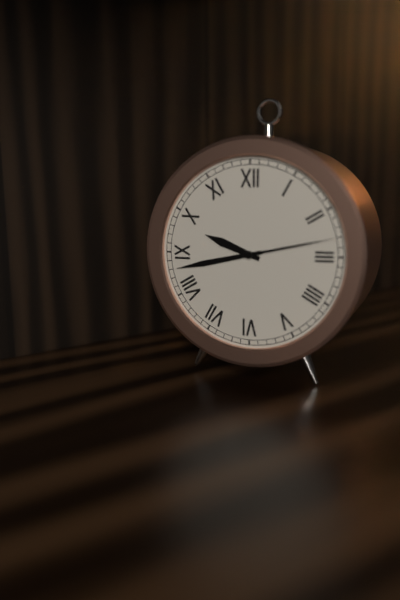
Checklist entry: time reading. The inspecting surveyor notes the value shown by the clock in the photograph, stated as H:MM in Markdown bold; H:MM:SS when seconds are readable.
**9:43:13**
